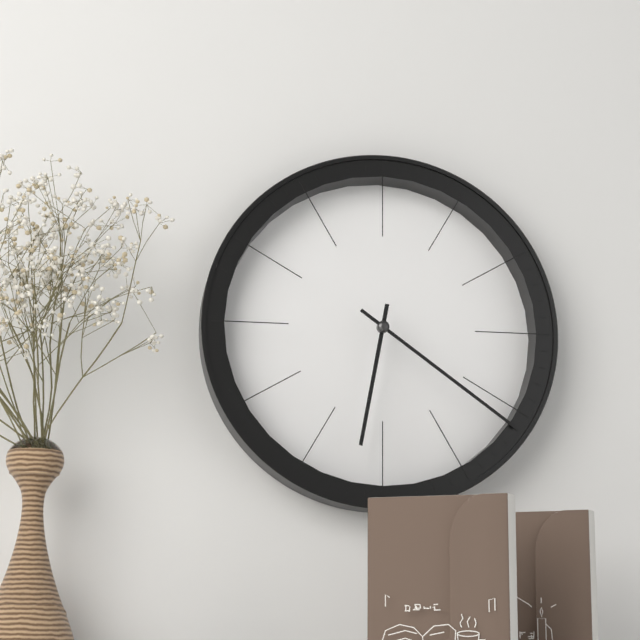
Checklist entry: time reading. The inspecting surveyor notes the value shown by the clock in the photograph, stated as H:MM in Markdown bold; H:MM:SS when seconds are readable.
**6:21**
